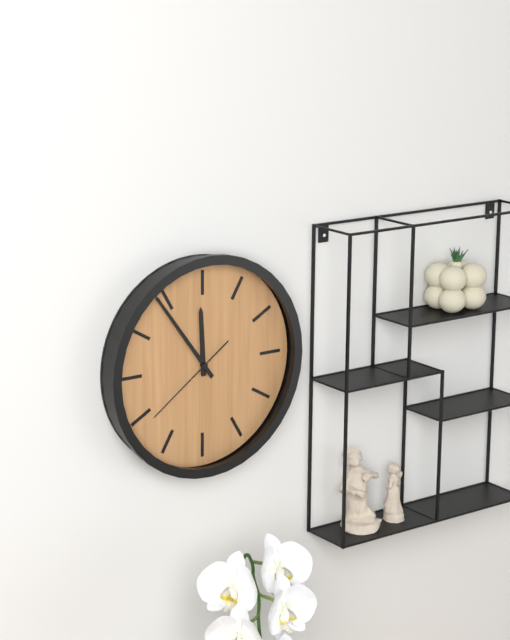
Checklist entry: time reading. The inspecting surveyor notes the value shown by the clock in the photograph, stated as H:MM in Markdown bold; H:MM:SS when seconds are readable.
**11:54:39**
